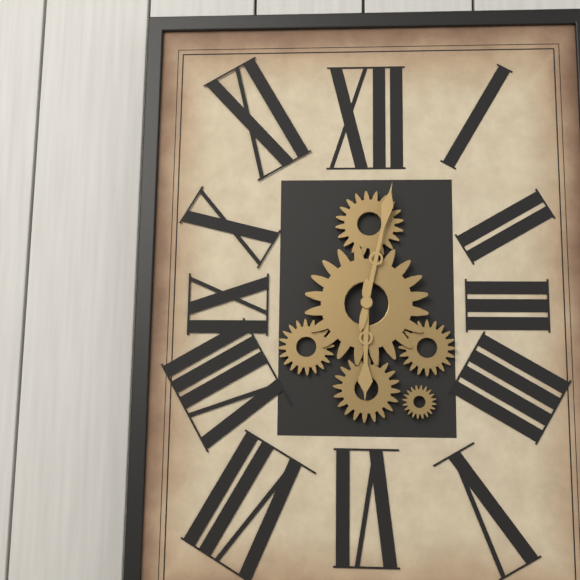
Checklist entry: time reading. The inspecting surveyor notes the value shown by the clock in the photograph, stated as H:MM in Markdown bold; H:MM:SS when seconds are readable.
**6:02**
